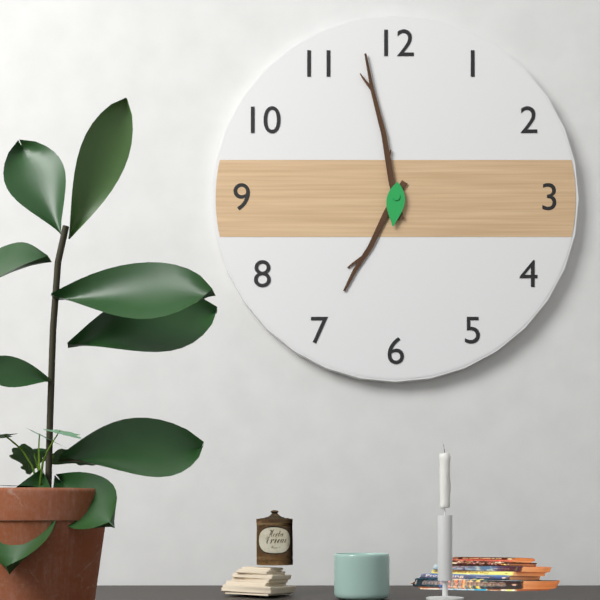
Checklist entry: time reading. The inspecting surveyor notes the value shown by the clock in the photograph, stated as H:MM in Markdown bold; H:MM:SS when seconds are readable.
**6:58**
